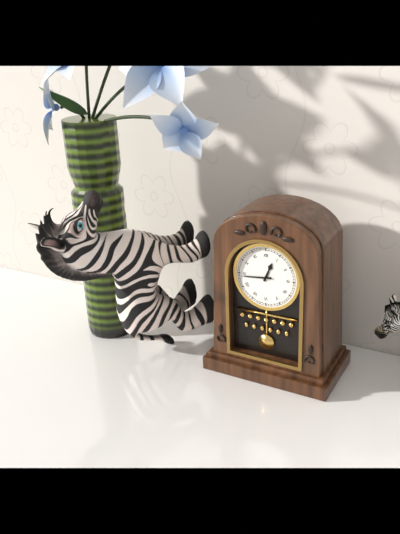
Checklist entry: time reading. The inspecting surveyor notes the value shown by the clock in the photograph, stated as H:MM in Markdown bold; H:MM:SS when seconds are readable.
**12:44**
